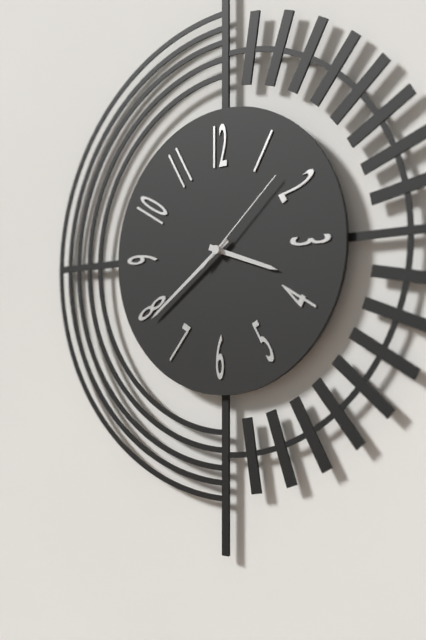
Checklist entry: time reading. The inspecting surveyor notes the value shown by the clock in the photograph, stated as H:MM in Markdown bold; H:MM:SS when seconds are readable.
**3:39:08**
